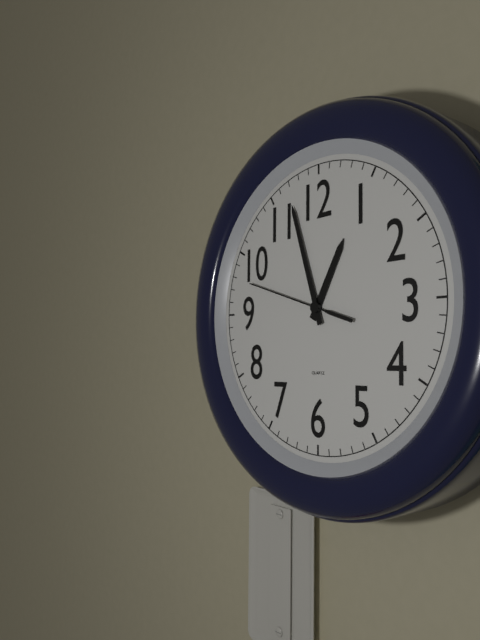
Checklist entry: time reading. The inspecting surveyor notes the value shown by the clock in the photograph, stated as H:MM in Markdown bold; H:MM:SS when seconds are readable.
**12:57:48**
